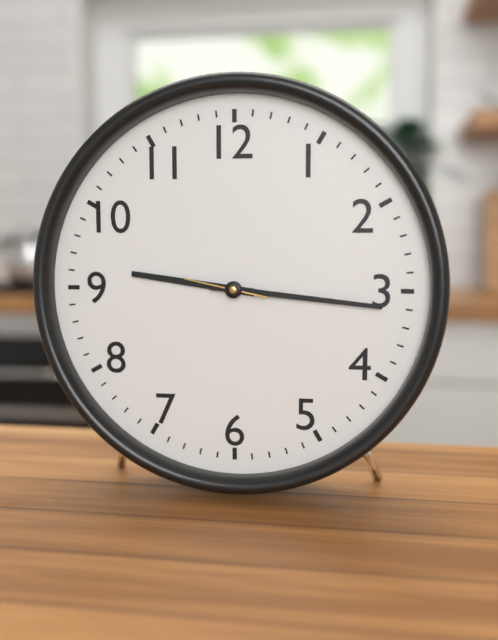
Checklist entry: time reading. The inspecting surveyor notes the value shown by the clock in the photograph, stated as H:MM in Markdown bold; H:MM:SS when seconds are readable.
**9:16:47**
